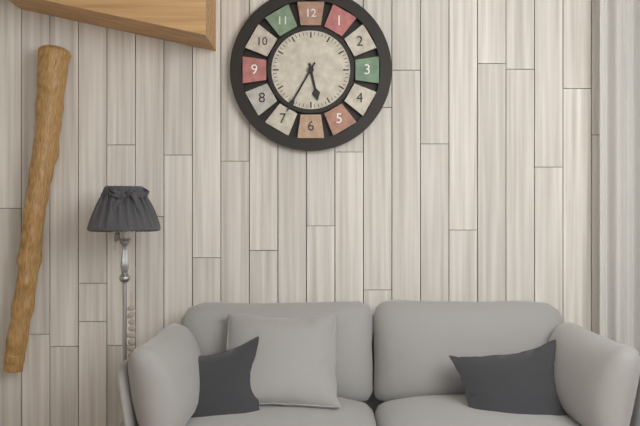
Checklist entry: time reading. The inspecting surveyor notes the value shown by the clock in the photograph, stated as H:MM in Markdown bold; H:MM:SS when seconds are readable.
**5:35**
